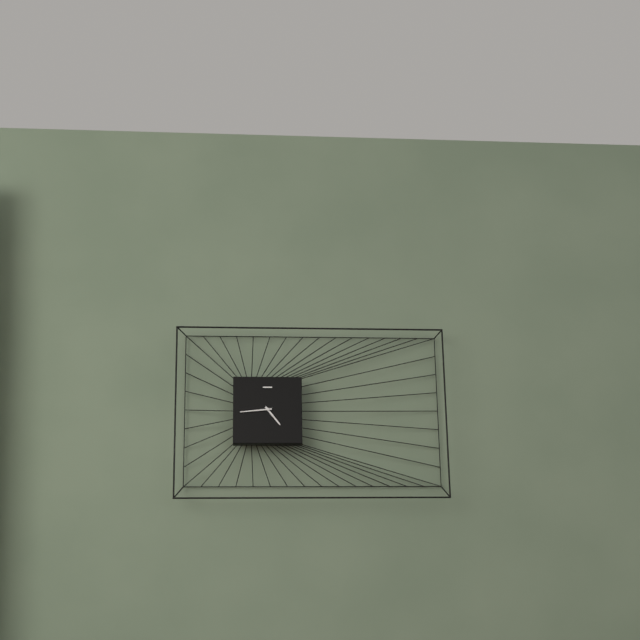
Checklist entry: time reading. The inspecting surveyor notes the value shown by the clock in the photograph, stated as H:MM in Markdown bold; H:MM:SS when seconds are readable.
**4:44**
